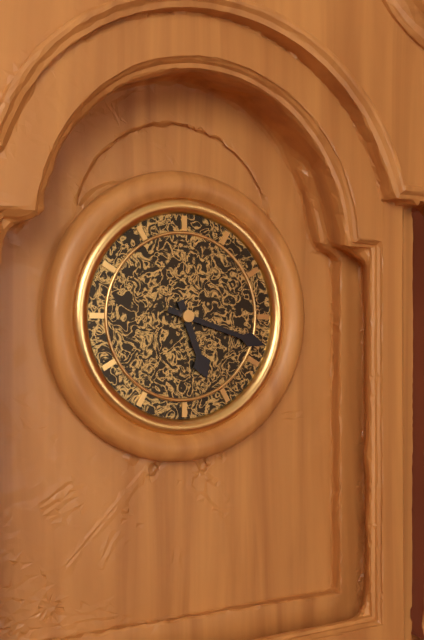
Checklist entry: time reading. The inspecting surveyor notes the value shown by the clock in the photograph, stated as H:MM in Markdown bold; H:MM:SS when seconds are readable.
**5:18**
